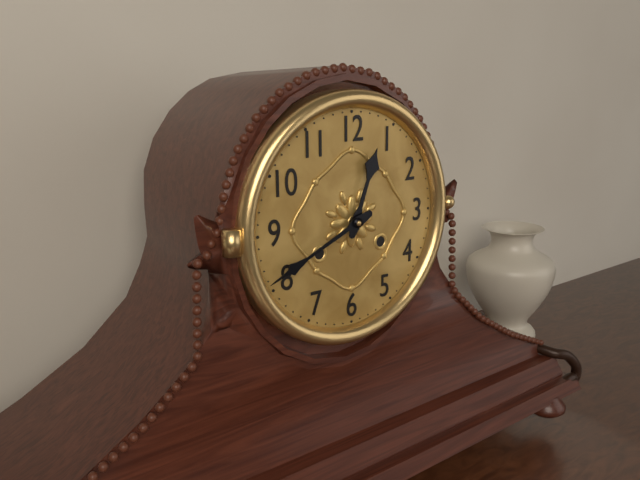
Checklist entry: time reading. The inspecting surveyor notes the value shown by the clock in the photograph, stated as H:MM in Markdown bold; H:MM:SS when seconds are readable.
**12:41**
